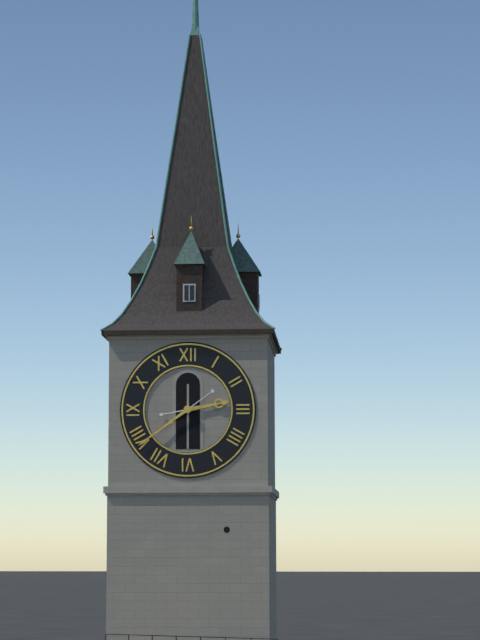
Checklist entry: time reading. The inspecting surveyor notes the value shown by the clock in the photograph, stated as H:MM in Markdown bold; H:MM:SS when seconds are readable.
**2:39**
